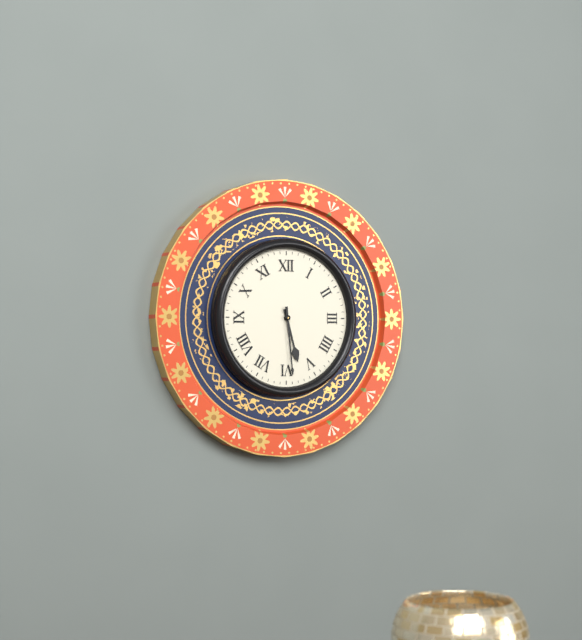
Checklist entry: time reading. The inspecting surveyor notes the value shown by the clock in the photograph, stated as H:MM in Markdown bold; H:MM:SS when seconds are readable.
**5:29**
